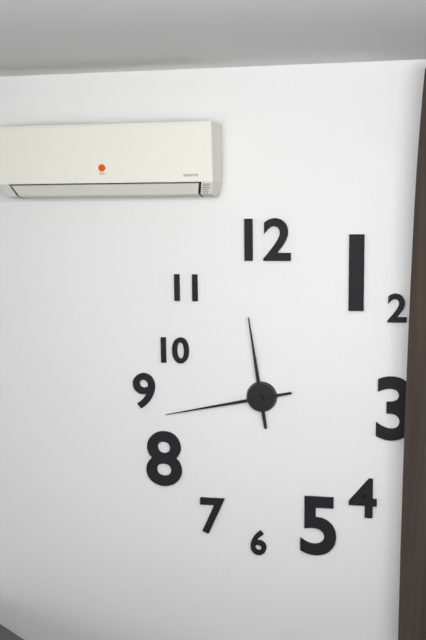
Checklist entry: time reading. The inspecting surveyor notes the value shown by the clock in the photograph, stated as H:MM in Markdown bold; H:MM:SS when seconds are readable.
**11:43**
